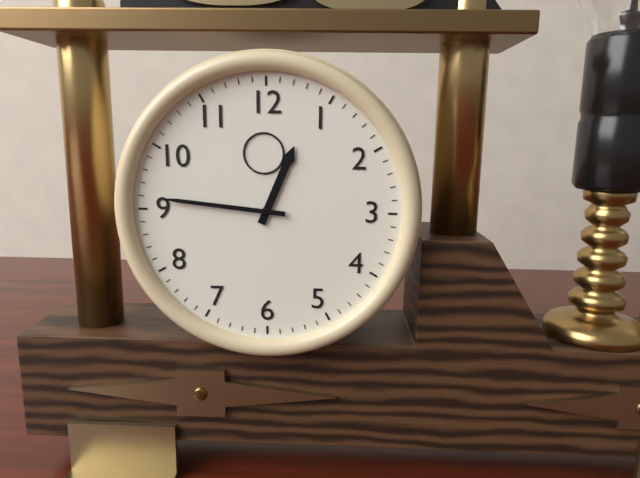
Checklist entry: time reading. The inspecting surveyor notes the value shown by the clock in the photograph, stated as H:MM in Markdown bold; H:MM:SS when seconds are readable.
**12:46**
